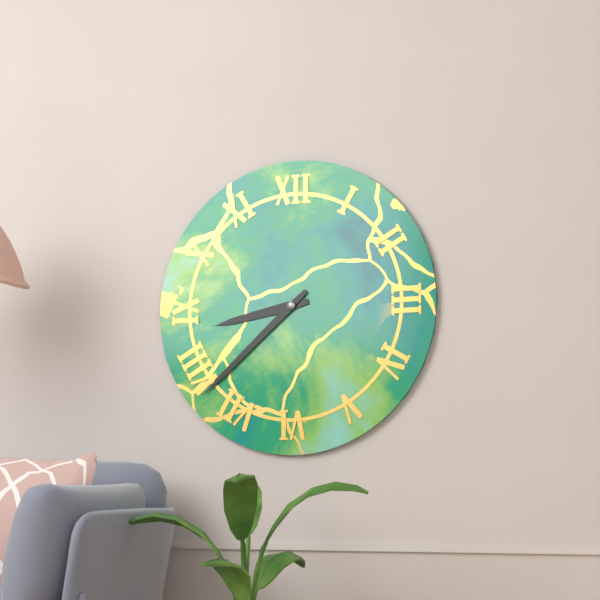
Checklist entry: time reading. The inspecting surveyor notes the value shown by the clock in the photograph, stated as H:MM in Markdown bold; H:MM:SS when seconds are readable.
**8:38**
